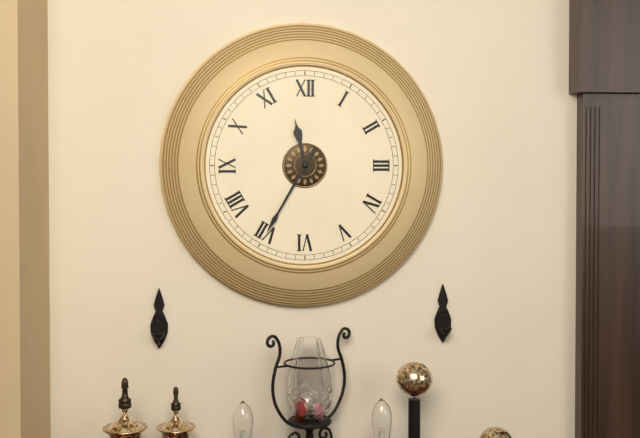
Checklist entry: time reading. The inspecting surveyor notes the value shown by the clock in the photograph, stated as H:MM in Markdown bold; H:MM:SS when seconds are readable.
**11:35**
